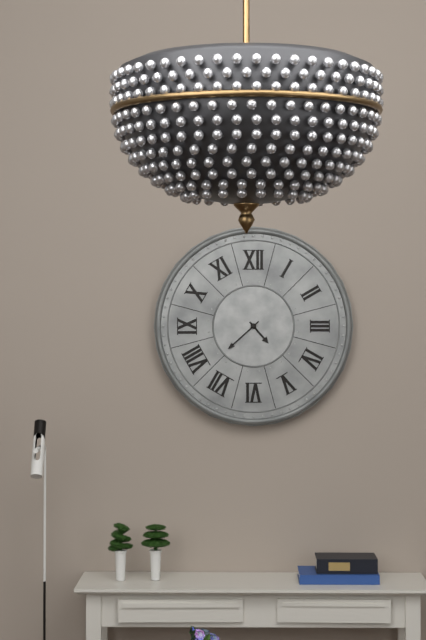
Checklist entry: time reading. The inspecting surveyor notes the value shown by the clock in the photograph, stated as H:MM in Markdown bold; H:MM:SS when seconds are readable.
**4:38**
